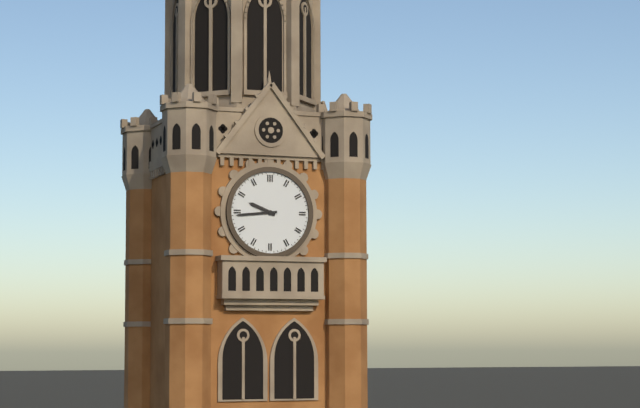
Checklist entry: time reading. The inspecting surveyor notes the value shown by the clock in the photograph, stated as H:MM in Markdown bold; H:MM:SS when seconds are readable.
**9:44**
